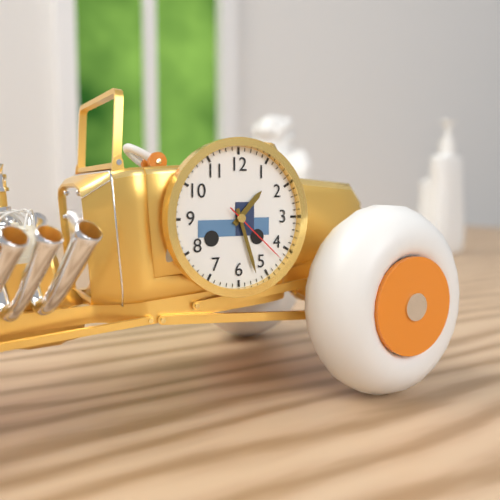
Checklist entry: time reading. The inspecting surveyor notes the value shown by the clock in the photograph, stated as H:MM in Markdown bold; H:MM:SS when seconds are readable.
**1:27:22**
